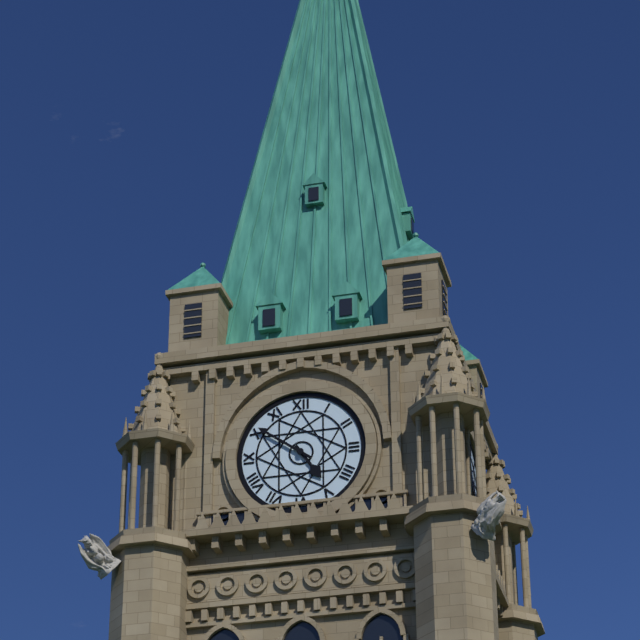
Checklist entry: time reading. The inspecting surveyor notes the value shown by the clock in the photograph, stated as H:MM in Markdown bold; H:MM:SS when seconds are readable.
**4:51**
